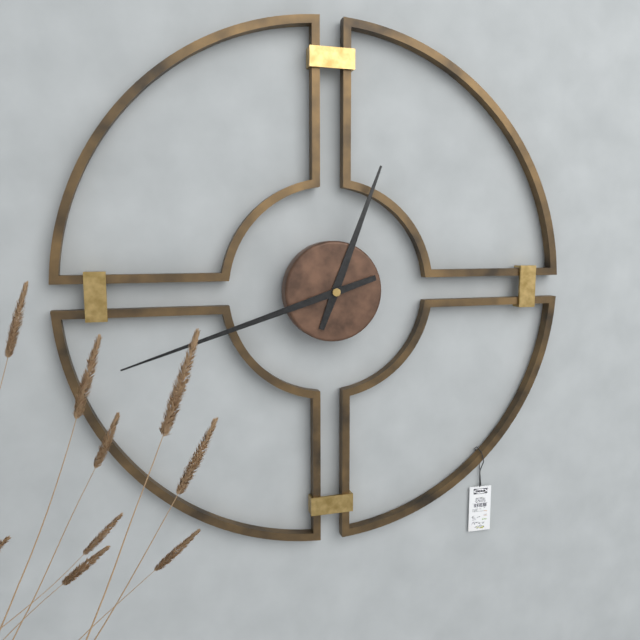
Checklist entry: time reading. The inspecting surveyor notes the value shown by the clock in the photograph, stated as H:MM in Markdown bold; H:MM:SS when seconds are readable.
**12:42**
